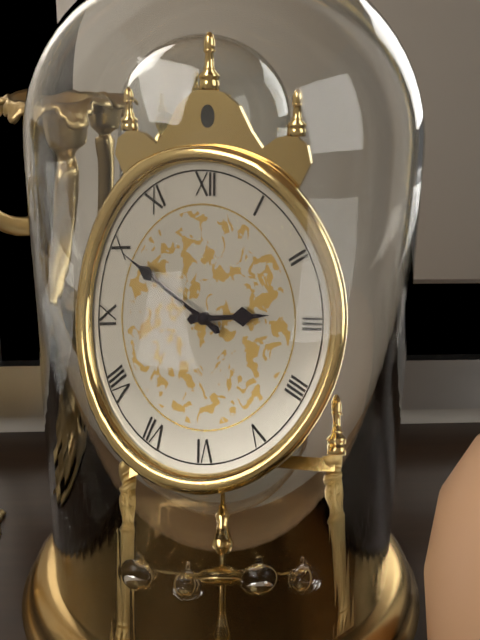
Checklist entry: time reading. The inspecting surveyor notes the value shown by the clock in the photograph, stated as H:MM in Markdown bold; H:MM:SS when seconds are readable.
**2:50**
